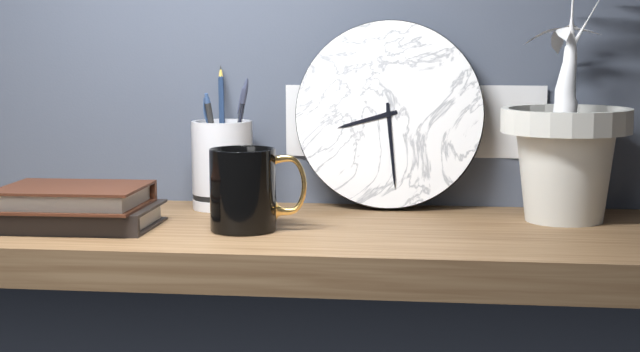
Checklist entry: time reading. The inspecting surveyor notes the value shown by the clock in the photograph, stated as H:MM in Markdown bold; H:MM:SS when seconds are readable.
**8:29**
